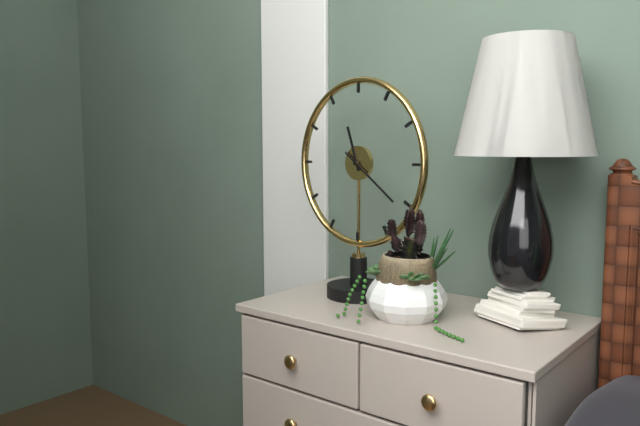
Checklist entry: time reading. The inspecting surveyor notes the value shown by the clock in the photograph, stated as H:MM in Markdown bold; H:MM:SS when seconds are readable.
**11:21**
